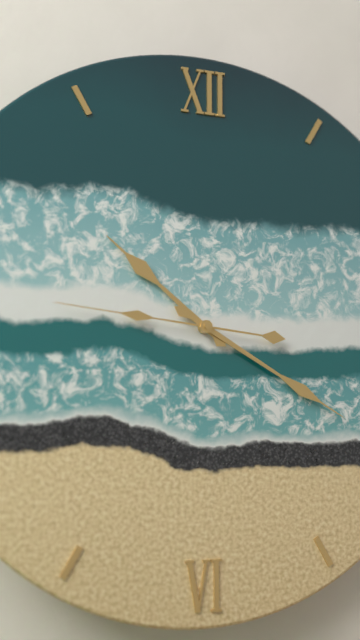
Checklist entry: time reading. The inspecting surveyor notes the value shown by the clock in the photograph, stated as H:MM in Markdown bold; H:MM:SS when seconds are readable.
**10:20:46**
